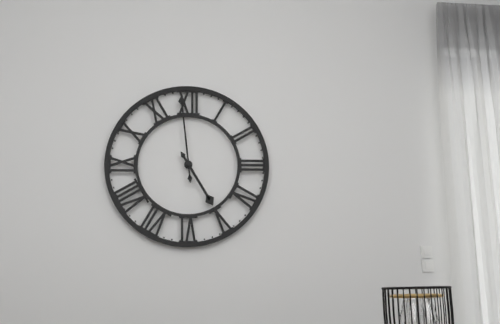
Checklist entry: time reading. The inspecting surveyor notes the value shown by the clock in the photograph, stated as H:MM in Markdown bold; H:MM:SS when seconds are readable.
**4:59**
